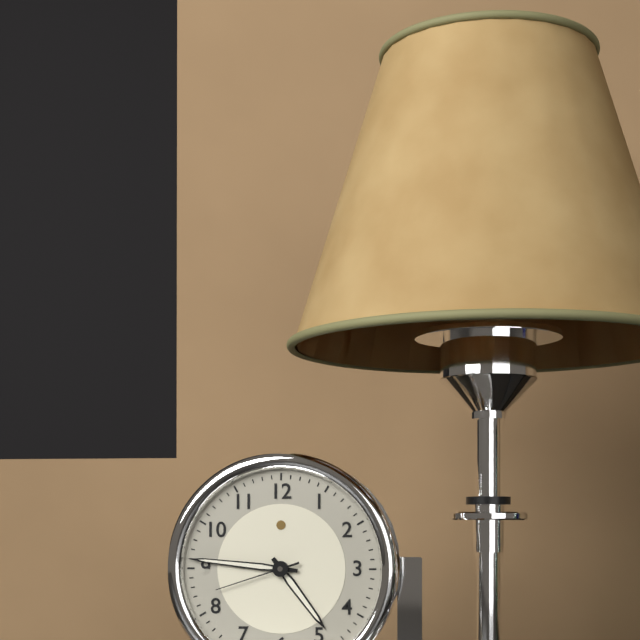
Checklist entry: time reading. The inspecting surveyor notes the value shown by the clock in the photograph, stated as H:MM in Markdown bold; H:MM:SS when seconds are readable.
**4:46:42**
